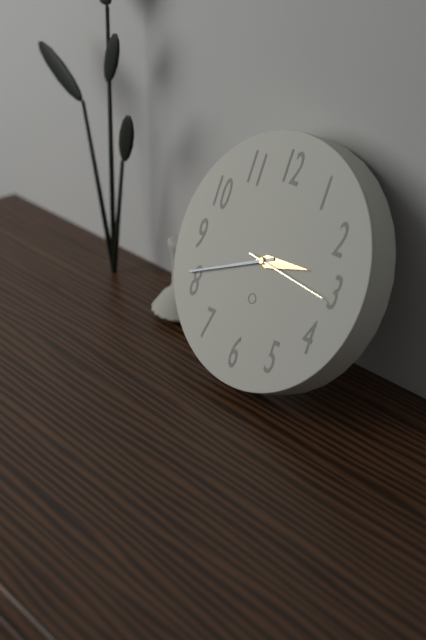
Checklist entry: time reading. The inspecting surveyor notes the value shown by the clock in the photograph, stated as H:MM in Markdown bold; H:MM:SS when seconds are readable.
**2:41:16**
